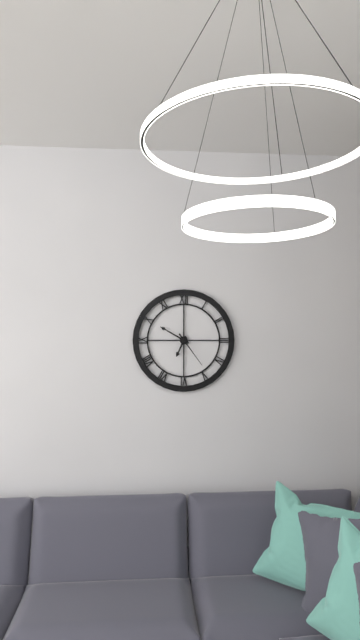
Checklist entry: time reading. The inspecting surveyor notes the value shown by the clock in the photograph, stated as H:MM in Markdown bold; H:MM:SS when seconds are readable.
**6:50**
